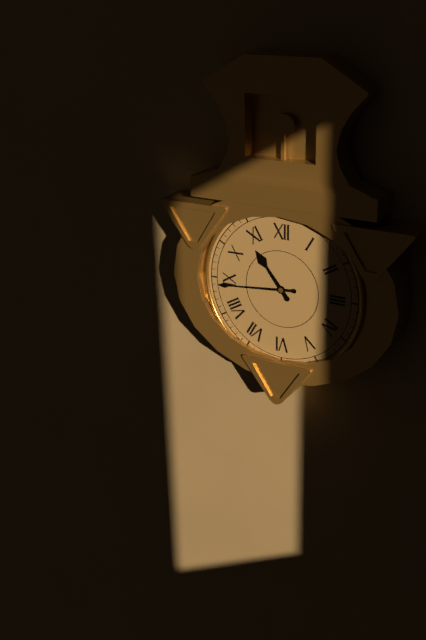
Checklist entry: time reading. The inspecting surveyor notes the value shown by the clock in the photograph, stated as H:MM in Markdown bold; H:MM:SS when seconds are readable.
**10:44**
